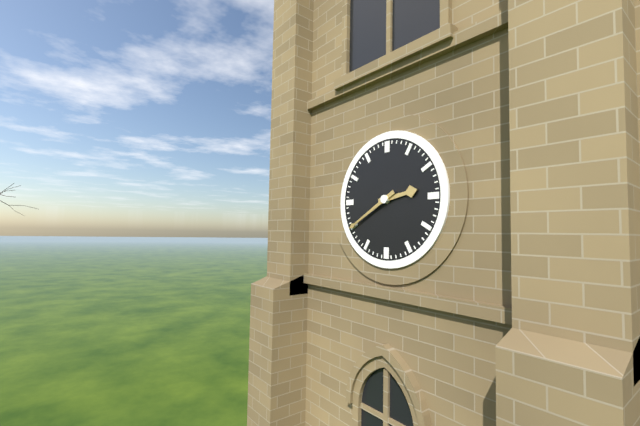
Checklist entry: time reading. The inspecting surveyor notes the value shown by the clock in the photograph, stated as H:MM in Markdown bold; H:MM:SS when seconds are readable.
**2:40**
